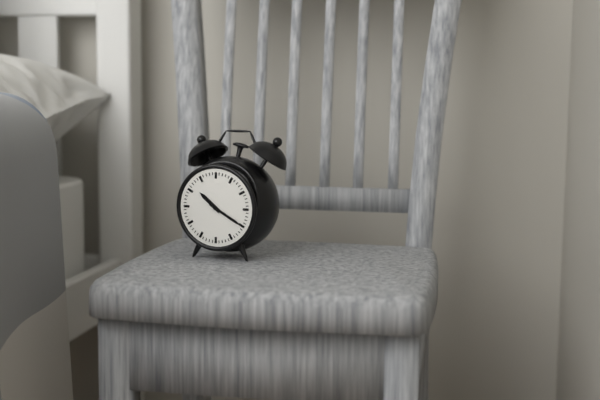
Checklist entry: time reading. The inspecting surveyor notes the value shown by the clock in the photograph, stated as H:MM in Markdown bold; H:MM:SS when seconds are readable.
**10:20**
